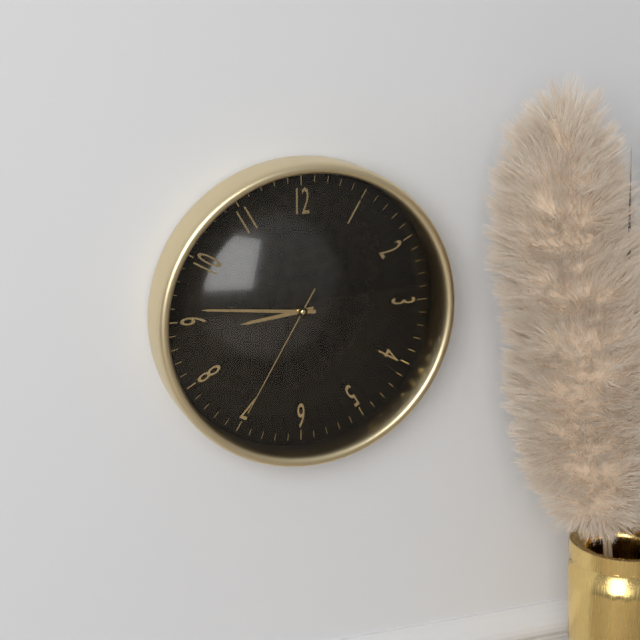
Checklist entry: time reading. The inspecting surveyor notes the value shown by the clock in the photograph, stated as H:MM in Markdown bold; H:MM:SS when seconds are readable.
**8:46:35**
